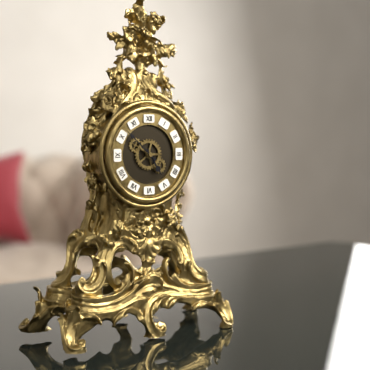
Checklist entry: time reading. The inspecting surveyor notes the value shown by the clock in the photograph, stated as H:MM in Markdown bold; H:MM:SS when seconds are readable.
**4:52**
